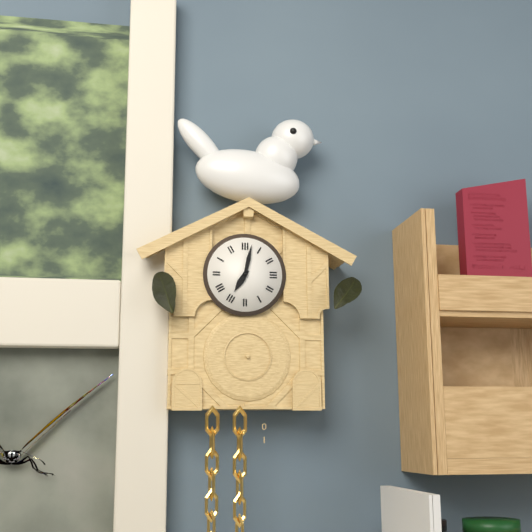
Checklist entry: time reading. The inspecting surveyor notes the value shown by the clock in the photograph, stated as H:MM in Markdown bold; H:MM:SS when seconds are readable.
**7:02**
